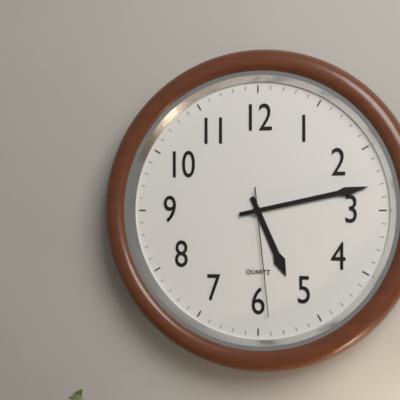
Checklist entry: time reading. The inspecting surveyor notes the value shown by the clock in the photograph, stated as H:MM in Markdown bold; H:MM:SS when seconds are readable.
**5:13:29**
